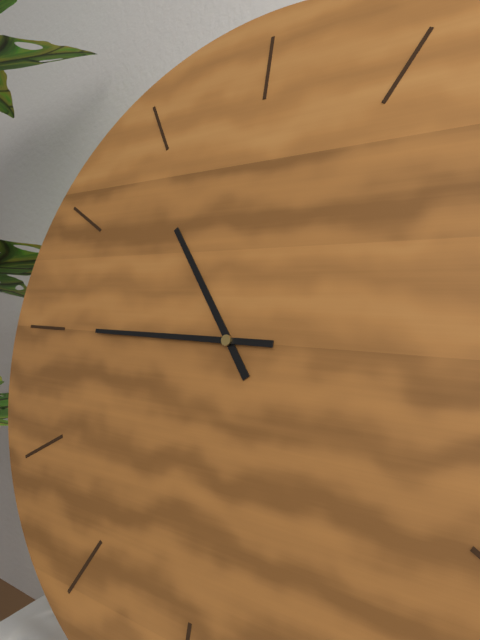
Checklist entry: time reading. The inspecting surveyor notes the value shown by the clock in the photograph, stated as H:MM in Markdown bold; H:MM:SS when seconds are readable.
**10:45**
